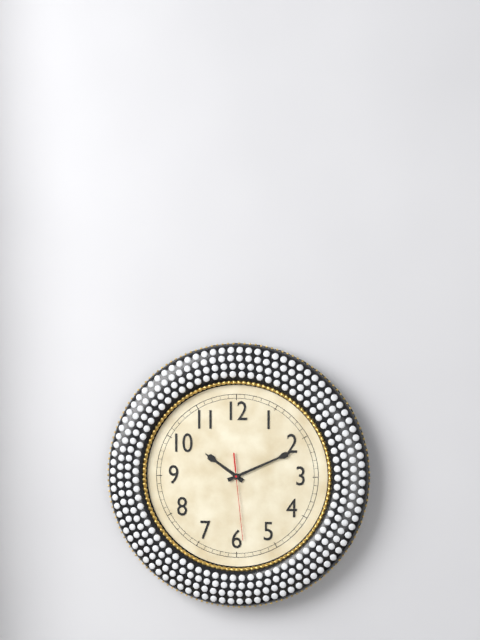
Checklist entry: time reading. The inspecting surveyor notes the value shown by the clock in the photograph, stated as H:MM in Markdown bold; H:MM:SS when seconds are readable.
**10:11:29**
